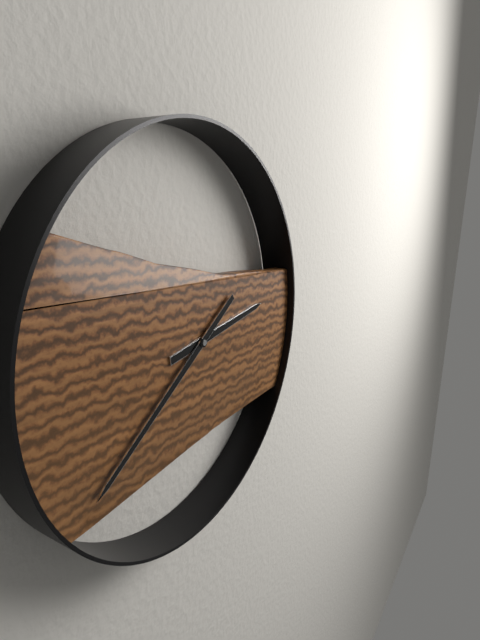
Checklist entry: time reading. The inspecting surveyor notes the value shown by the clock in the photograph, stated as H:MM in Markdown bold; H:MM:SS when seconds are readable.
**2:39**
